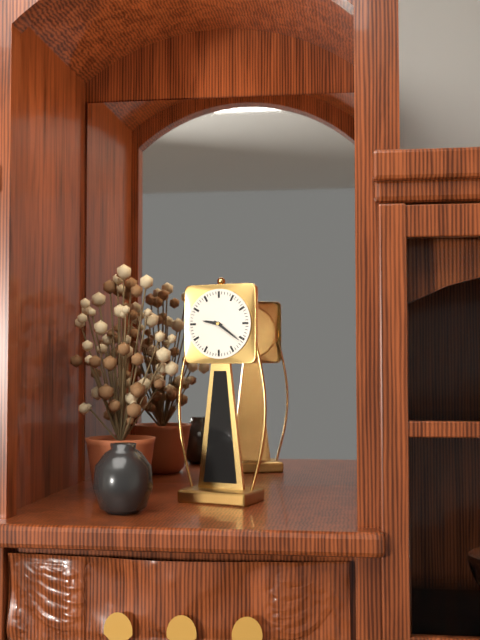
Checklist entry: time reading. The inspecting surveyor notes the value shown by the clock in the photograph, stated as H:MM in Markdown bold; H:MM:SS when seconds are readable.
**9:21**
